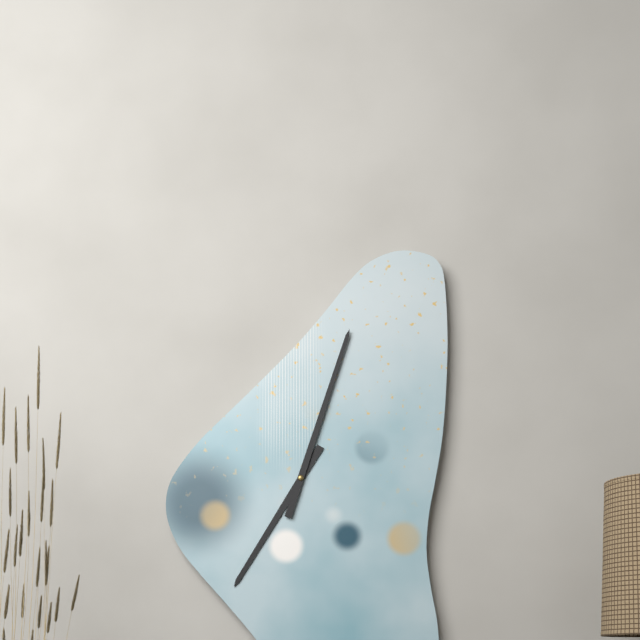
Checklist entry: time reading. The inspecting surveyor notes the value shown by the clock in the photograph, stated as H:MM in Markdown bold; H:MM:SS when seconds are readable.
**7:03**
